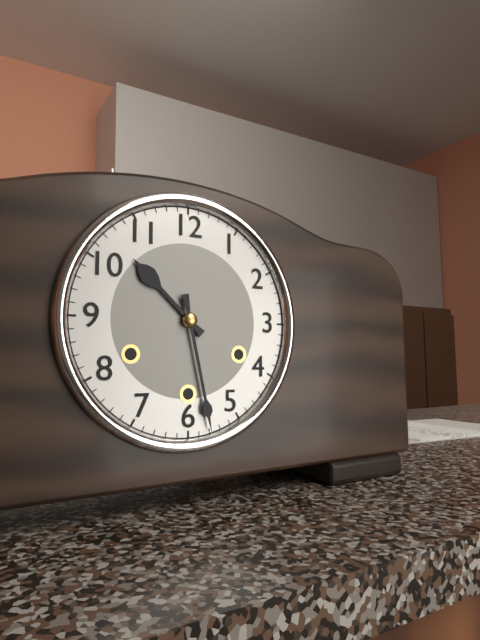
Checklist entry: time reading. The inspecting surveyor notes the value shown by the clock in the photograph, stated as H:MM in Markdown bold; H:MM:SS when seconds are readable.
**10:28**
